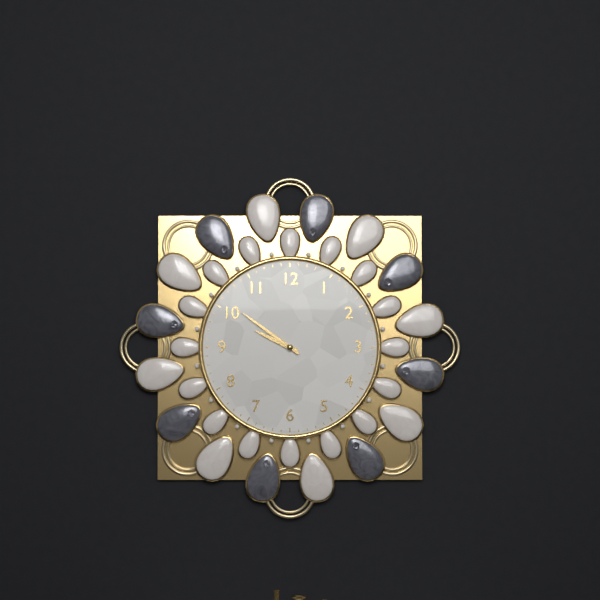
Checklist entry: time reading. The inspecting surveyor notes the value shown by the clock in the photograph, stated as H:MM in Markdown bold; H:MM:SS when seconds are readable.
**9:51**
